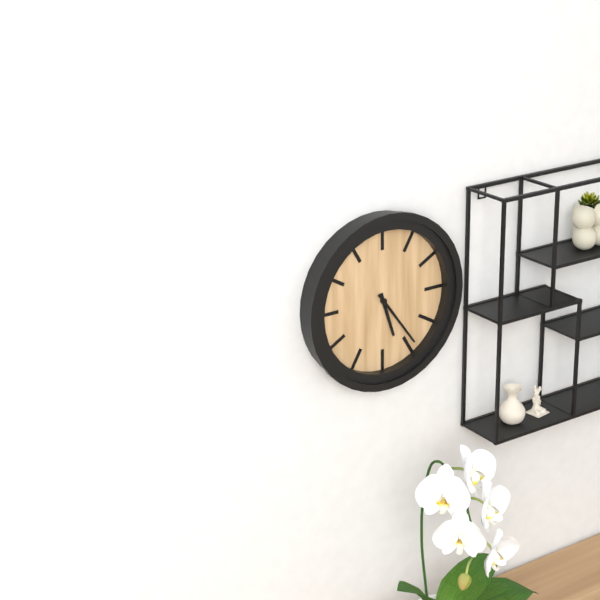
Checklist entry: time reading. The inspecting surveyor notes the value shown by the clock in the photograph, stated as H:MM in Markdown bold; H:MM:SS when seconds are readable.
**5:24**
